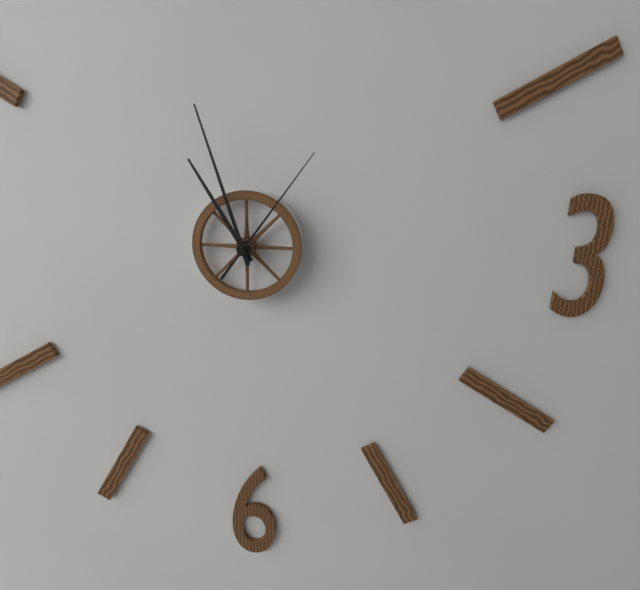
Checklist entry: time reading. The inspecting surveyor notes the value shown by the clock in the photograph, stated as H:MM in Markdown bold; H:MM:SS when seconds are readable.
**10:57:06**
